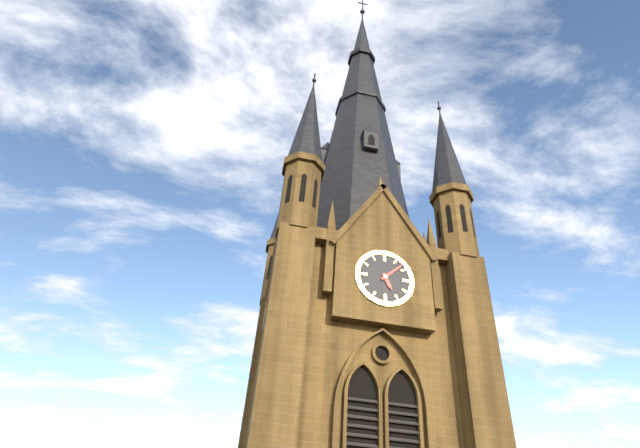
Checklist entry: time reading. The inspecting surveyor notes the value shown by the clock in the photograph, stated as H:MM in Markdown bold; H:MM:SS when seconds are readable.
**5:08**
